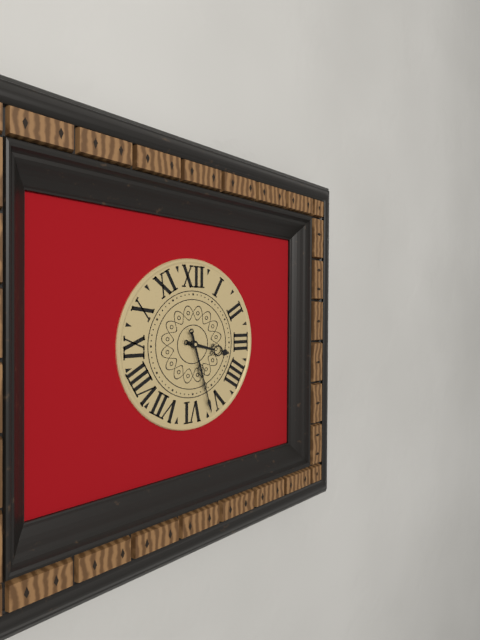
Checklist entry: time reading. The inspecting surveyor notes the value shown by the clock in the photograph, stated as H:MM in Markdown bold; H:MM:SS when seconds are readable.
**3:27**
